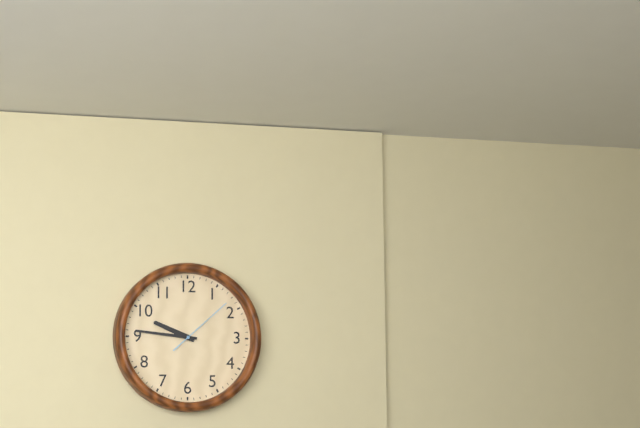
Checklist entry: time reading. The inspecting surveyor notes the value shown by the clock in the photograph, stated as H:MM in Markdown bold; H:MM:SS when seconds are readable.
**9:46:08**
